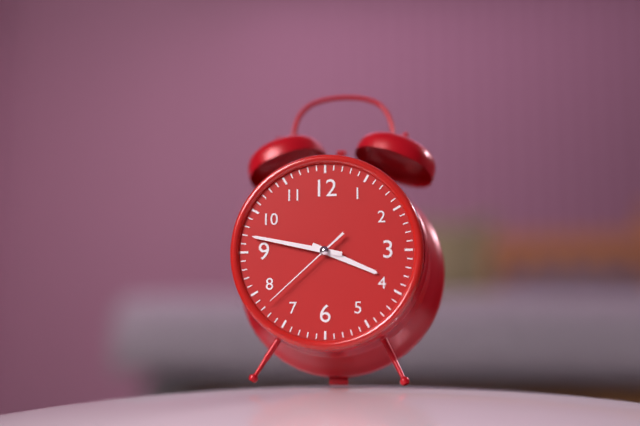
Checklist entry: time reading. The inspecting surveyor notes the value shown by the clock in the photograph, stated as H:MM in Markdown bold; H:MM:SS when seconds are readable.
**3:47:38**
